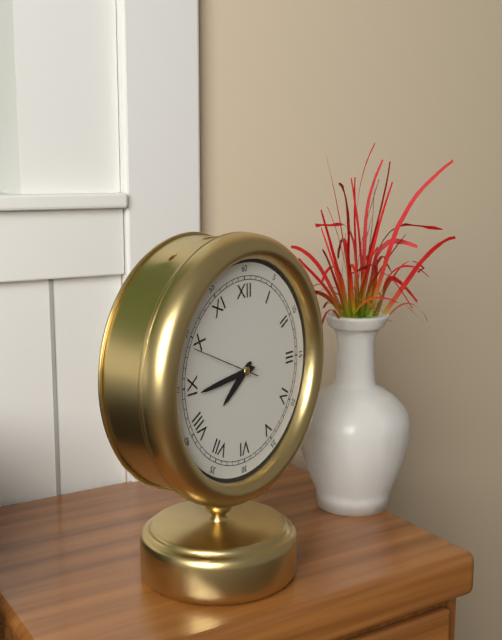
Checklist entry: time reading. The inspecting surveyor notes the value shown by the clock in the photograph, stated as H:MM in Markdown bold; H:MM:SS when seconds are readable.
**7:44:49**
